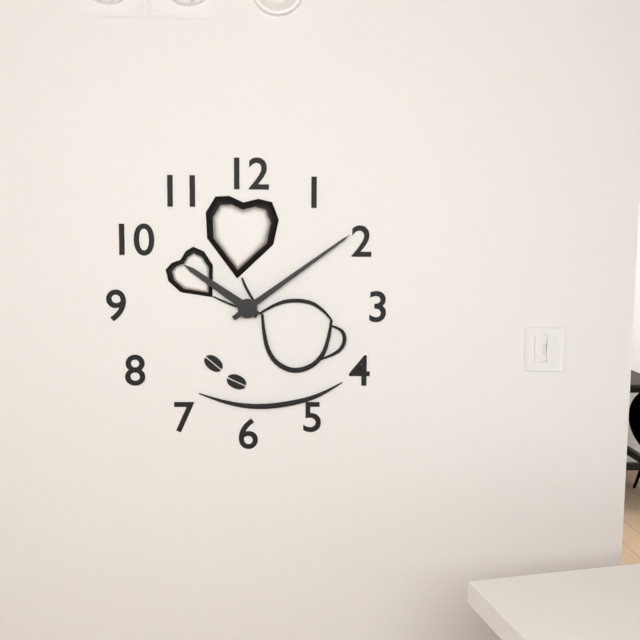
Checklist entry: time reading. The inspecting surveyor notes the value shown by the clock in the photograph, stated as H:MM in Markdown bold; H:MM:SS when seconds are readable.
**10:09**
